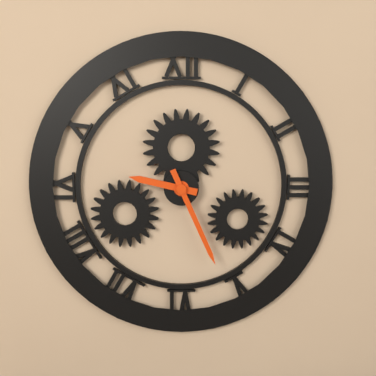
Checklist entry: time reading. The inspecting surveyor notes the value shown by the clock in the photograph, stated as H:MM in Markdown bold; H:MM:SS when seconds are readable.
**9:26**
